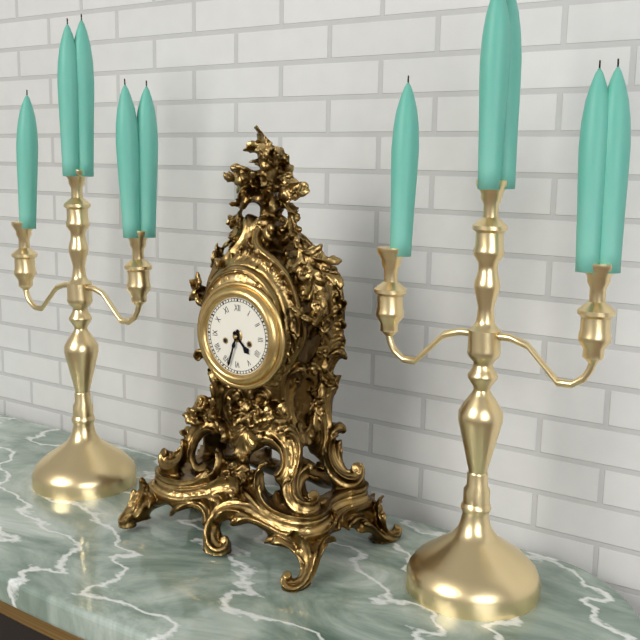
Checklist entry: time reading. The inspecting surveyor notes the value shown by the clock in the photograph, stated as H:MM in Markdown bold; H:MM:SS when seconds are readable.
**4:33**
